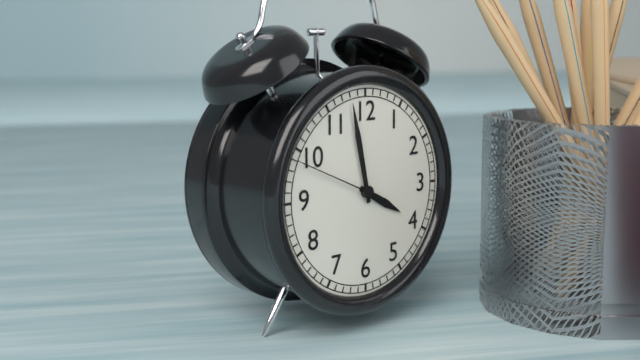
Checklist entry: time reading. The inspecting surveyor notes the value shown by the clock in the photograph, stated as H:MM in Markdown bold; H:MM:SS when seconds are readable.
**3:58:49**
